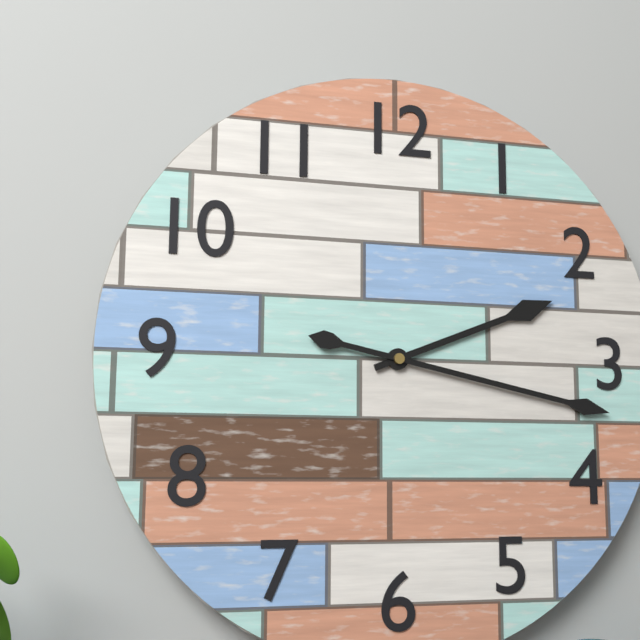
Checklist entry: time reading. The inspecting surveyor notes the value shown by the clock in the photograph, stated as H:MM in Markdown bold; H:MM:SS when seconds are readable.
**2:17**
